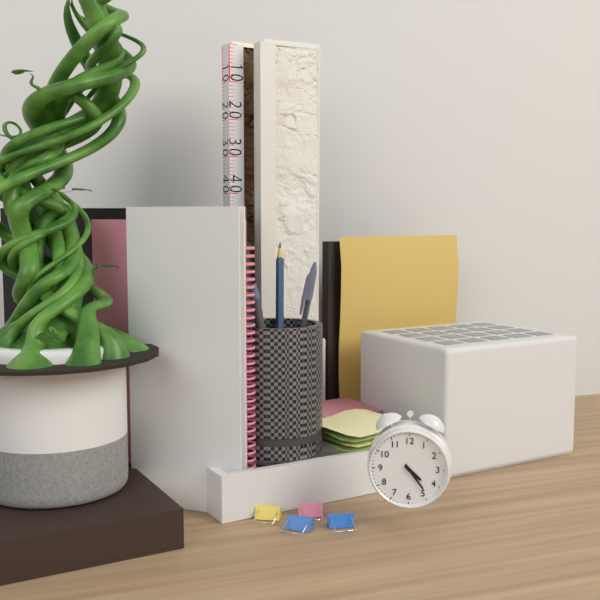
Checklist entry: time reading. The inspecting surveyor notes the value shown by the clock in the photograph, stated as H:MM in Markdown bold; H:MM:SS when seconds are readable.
**4:24**
